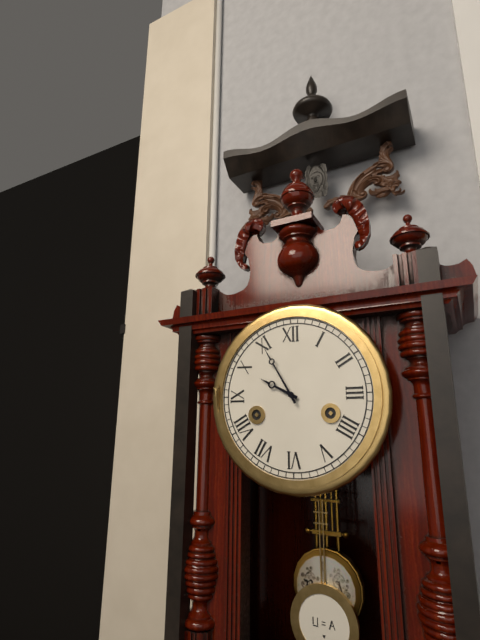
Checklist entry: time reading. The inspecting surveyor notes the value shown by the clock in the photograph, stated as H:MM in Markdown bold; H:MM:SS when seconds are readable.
**9:55**
